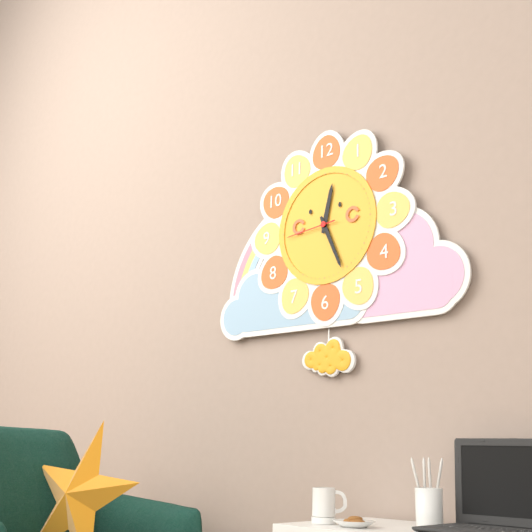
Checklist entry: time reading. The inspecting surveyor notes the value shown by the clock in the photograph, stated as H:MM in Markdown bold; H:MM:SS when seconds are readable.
**12:26:44**
